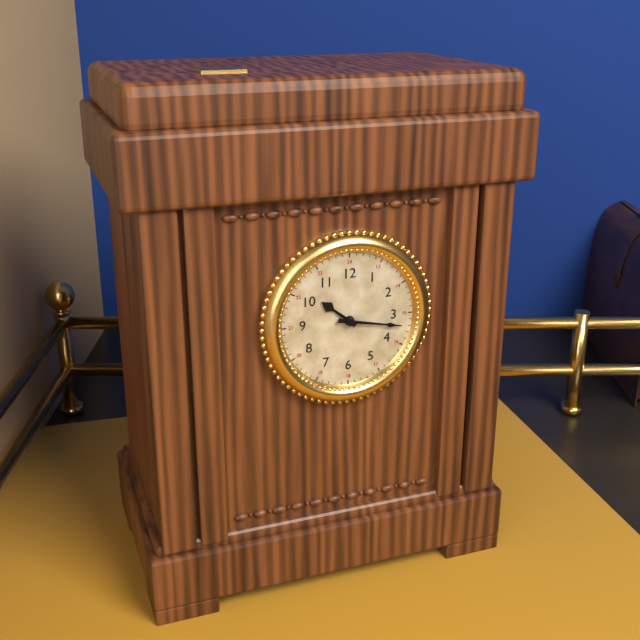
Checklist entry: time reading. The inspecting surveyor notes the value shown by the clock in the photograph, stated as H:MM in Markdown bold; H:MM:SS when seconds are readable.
**10:17**
